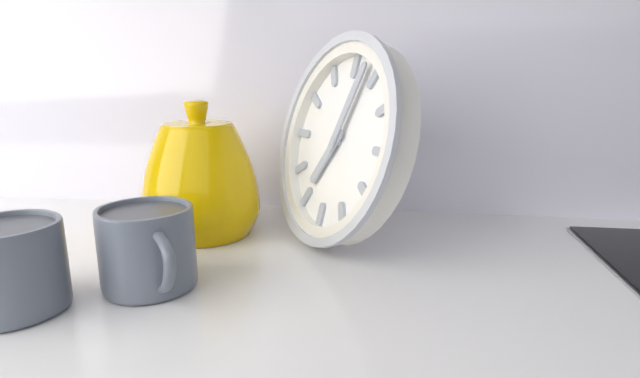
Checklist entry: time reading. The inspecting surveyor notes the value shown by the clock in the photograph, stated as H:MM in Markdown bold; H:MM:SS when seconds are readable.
**7:03**
